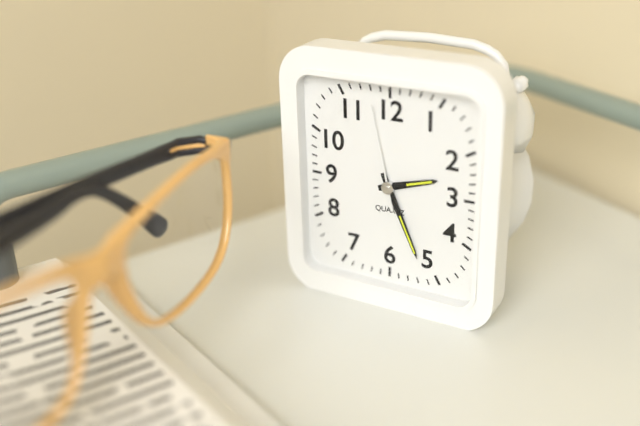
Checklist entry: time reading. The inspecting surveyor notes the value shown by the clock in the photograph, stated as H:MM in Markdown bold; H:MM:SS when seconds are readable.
**2:26:58**
